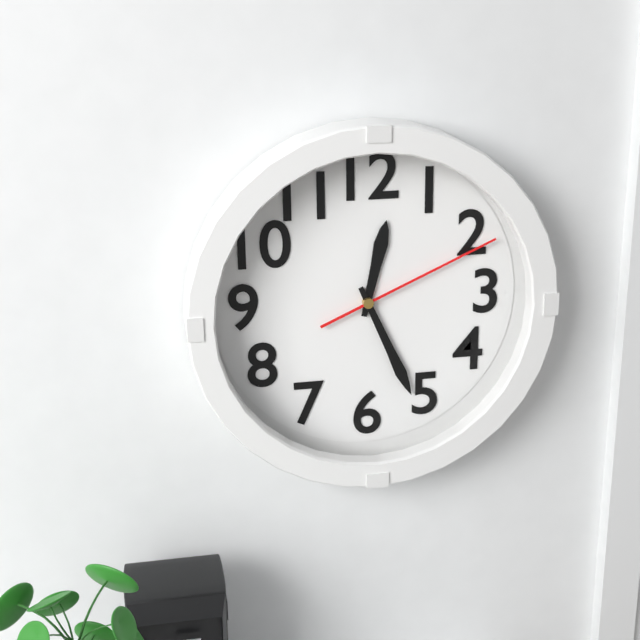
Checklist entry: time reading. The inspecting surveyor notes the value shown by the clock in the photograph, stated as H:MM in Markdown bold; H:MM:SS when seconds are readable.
**12:26:11**
